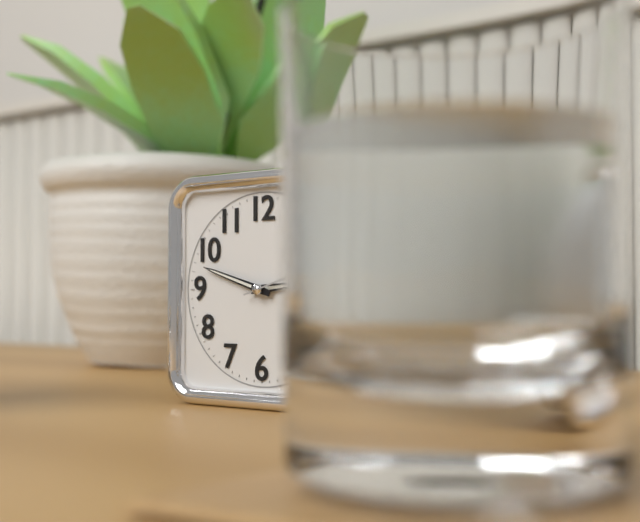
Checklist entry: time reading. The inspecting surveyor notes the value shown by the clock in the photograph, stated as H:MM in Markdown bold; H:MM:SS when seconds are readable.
**2:48:12**
